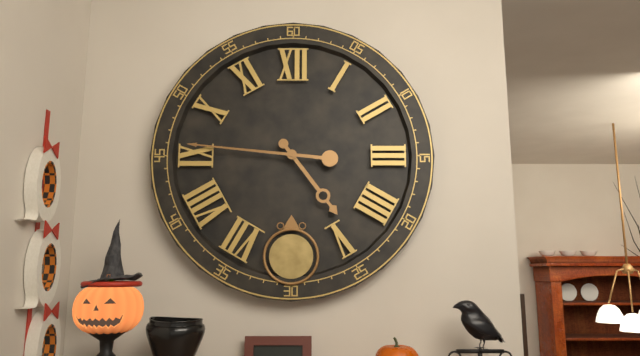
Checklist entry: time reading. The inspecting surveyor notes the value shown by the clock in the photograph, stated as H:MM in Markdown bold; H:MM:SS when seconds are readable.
**4:46**
